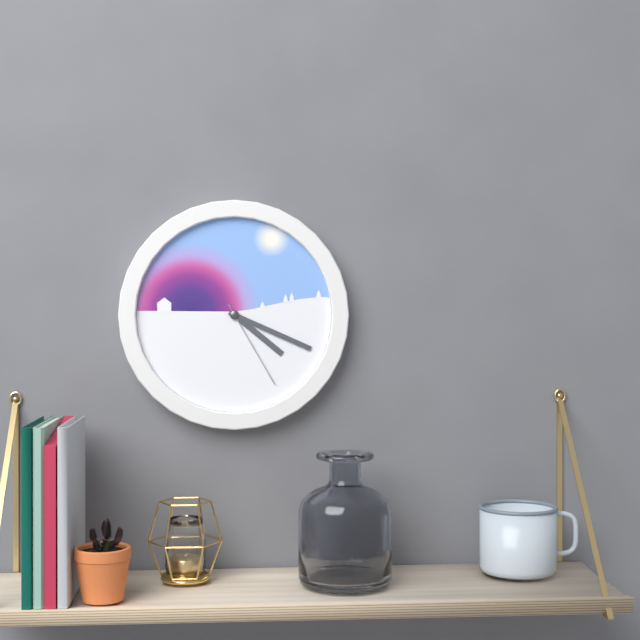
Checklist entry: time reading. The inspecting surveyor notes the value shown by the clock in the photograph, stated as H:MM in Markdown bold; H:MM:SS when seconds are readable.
**4:19:25**
